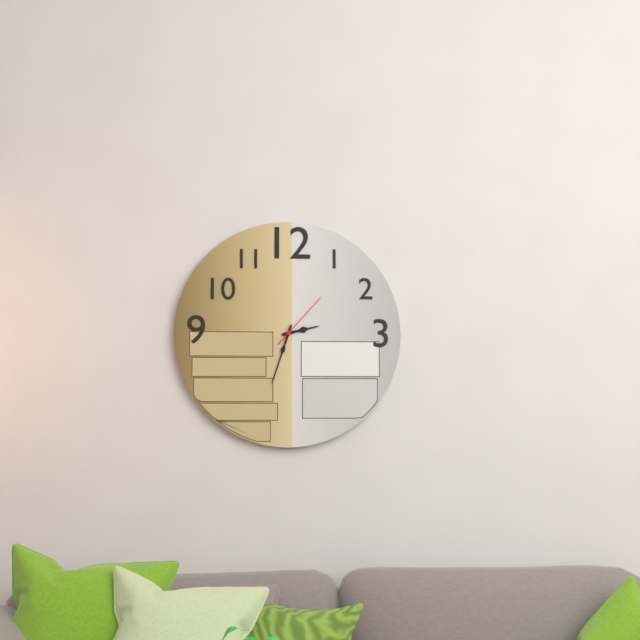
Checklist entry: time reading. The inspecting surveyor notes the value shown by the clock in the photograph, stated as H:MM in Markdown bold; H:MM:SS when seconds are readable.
**2:33:07**
